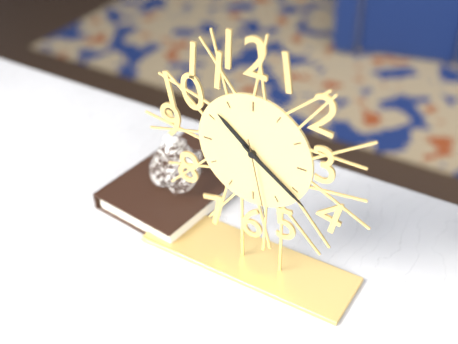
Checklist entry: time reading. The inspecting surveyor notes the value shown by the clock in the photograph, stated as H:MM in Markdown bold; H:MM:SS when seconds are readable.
**10:21:28**
